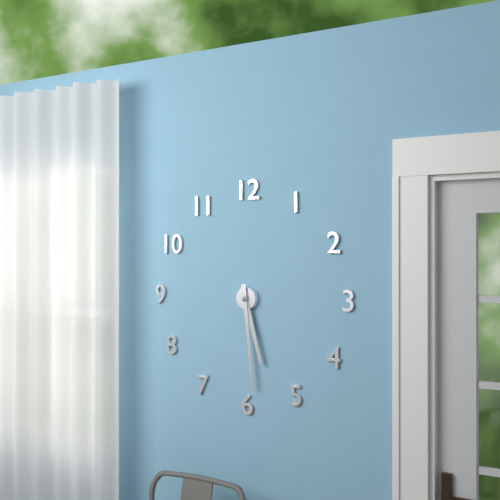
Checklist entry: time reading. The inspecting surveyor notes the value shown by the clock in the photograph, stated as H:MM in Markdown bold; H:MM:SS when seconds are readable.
**5:29**
